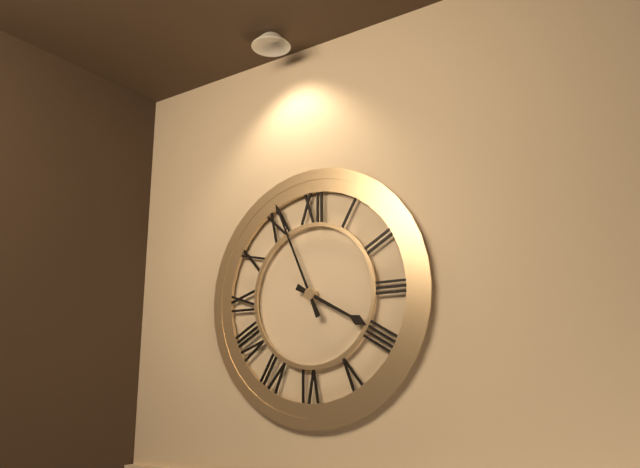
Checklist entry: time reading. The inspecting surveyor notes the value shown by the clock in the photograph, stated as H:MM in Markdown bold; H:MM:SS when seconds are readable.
**3:56**
